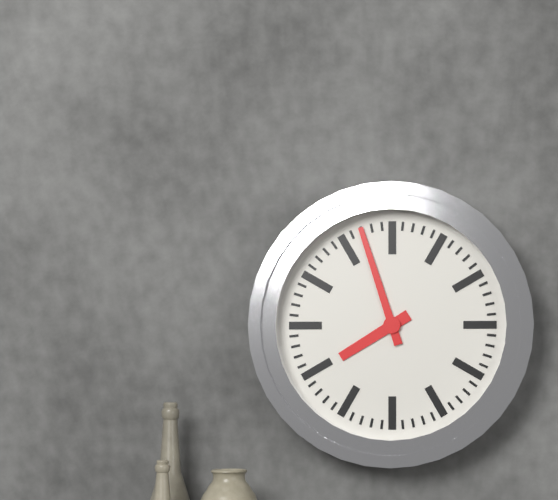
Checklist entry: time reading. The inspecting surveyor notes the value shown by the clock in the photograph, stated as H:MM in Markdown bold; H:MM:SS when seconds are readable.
**7:57**
